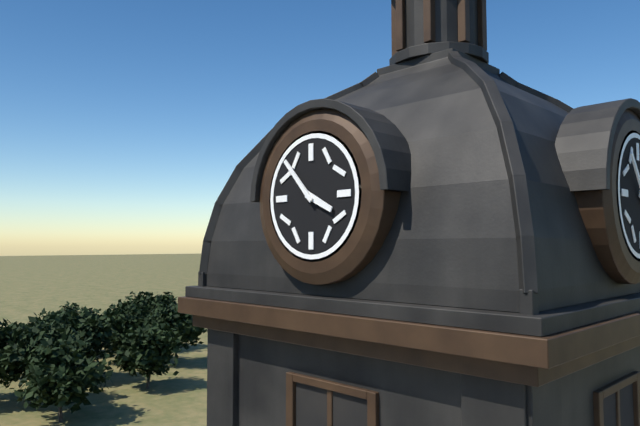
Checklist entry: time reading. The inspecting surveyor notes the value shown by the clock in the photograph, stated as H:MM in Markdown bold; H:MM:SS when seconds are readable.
**3:53**
